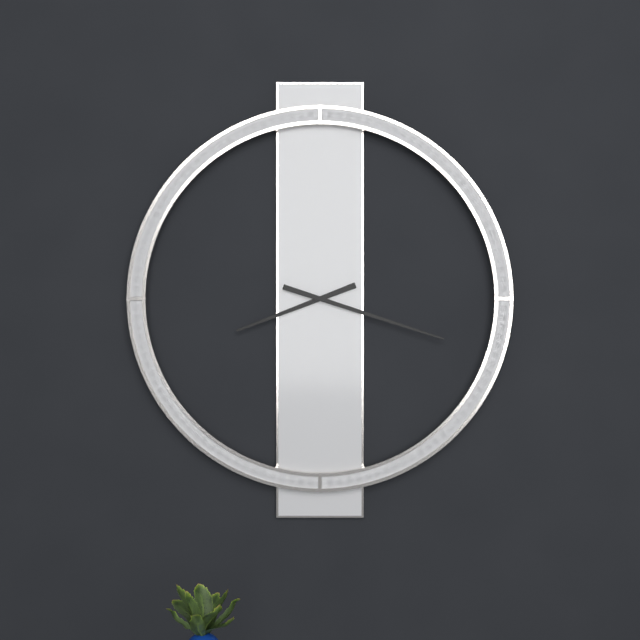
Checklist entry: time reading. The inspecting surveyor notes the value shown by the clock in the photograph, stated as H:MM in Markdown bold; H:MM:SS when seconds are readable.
**8:18**
